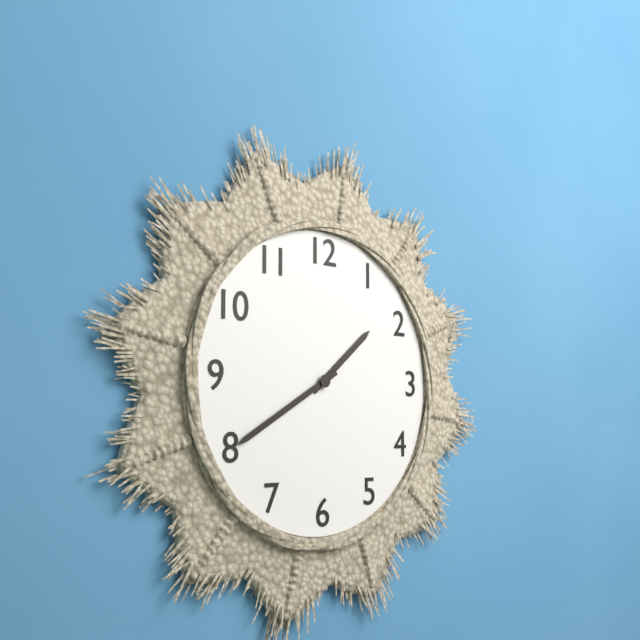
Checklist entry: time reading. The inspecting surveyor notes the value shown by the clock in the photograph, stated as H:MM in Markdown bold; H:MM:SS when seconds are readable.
**1:40**
